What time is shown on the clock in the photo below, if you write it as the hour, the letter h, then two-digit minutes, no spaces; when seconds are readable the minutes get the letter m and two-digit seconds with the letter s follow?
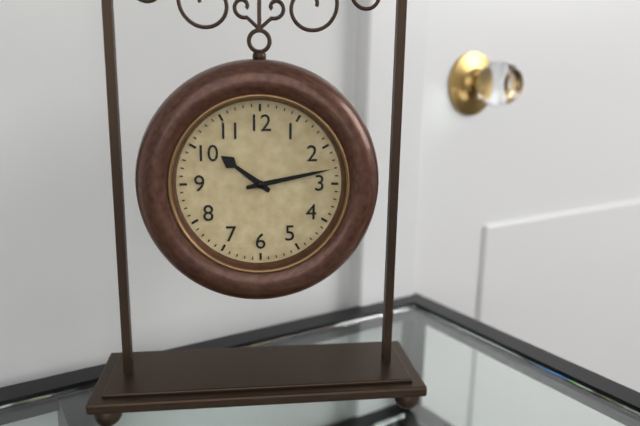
10h13
